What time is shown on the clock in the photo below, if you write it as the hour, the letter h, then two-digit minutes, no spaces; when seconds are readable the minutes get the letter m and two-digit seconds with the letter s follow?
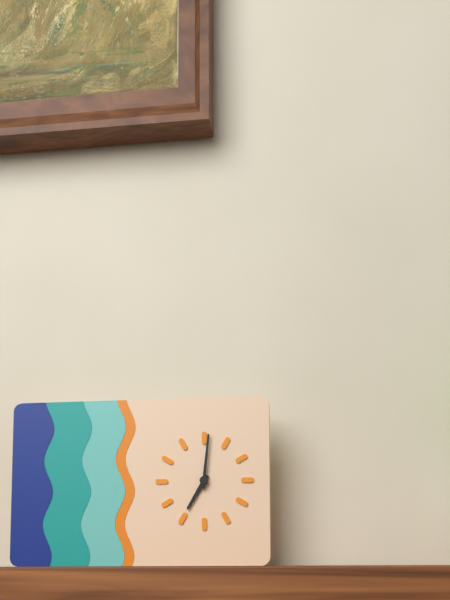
7h01
